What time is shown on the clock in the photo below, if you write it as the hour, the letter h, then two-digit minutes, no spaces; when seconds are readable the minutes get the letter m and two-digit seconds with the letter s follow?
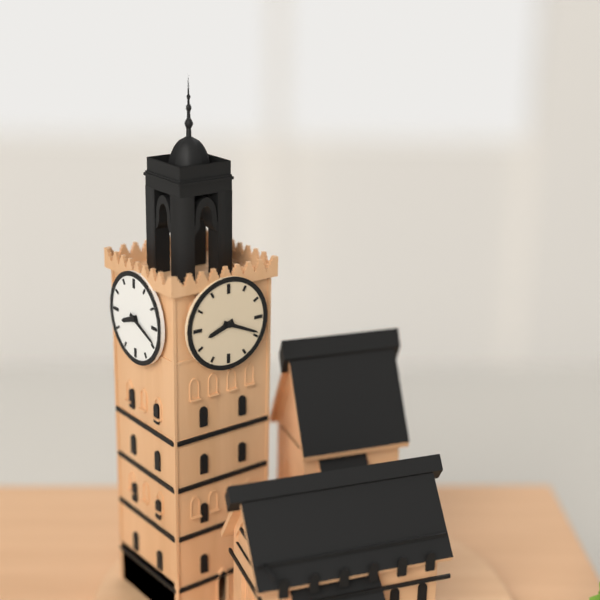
8h19
